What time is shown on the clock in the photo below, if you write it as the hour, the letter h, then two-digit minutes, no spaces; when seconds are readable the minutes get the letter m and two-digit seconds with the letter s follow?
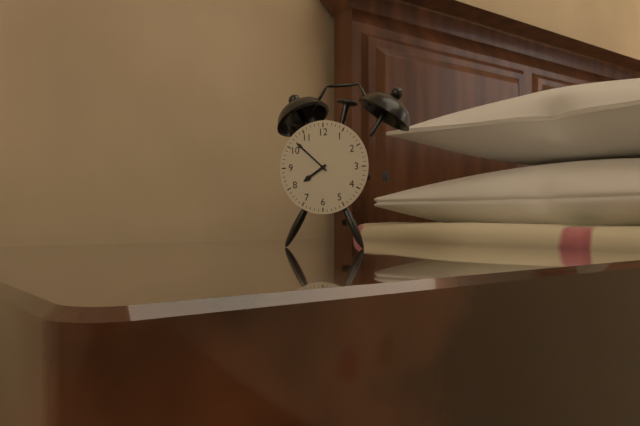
7h52
